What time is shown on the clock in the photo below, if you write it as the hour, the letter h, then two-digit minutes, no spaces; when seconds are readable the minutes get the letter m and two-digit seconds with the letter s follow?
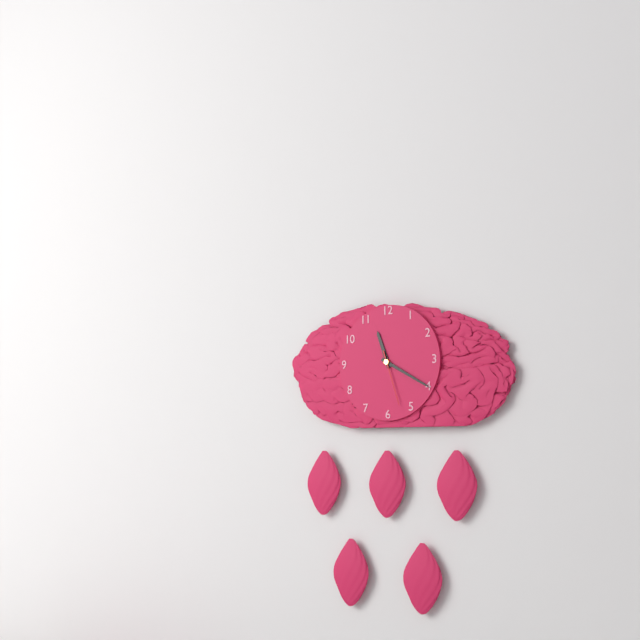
11h20m27s
